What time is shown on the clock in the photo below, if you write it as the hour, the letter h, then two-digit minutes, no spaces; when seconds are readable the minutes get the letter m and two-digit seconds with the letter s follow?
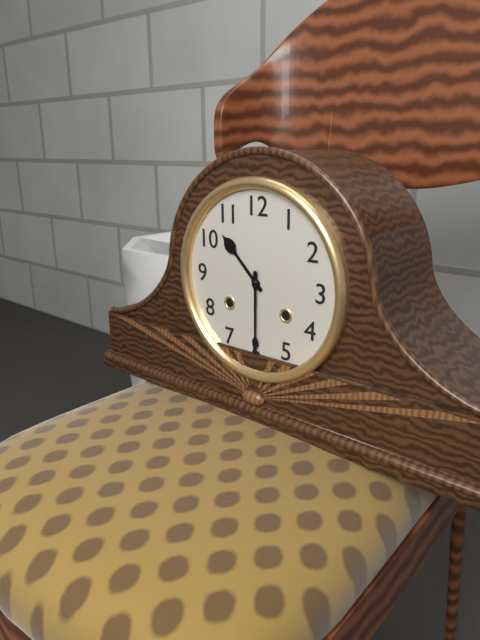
10h30
